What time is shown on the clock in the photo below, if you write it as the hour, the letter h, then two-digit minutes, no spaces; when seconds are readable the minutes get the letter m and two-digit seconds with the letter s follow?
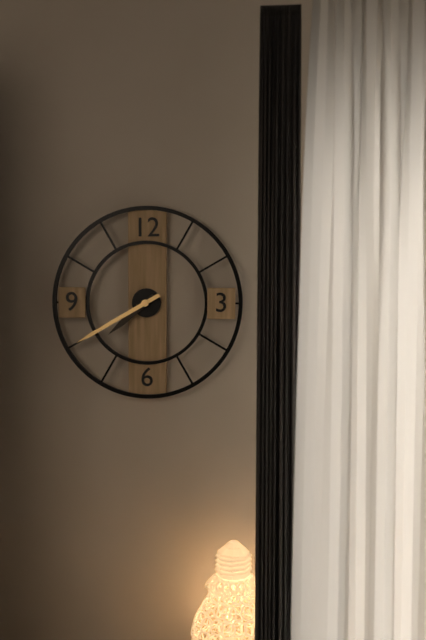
7h40
